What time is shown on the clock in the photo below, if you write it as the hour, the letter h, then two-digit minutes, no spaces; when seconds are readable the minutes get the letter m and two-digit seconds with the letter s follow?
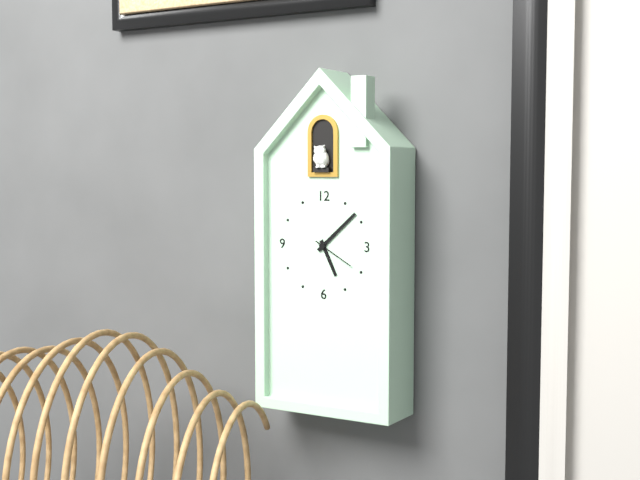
5h08
